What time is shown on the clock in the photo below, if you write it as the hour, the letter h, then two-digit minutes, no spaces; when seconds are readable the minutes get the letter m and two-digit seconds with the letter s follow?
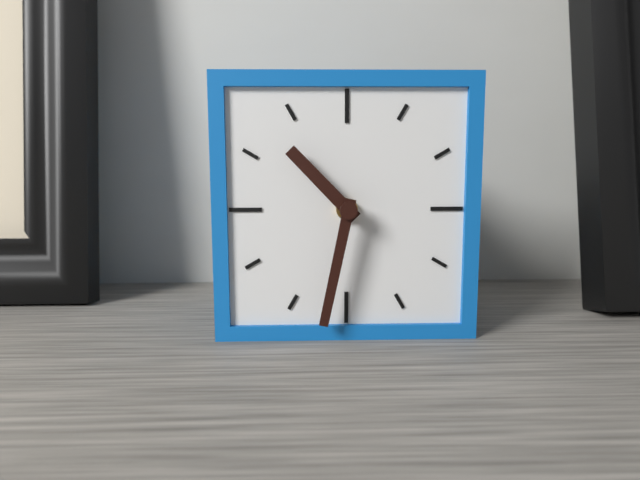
10h32
